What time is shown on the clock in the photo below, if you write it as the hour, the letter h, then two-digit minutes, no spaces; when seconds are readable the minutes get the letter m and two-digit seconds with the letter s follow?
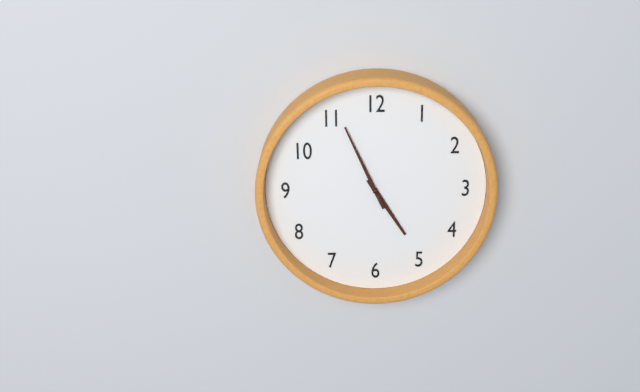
4h56
